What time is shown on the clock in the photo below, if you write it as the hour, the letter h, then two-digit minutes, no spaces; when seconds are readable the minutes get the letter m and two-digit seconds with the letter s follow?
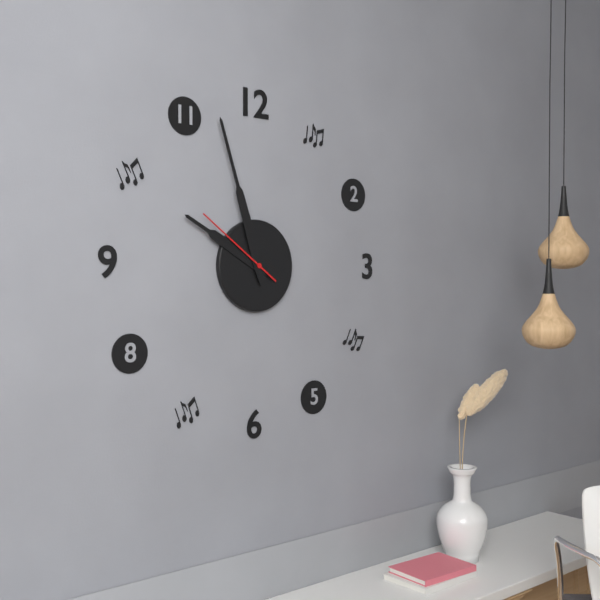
9h57m51s
